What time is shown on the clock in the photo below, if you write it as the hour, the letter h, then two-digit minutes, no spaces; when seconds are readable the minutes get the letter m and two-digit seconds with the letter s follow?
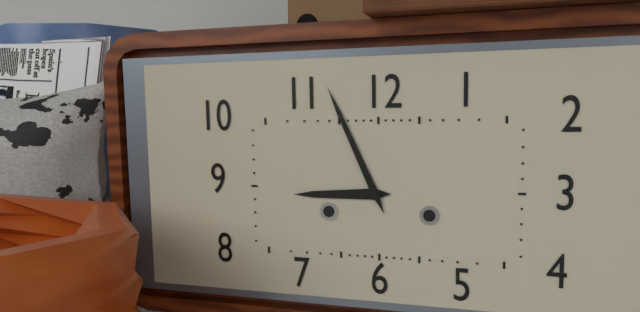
8h56
